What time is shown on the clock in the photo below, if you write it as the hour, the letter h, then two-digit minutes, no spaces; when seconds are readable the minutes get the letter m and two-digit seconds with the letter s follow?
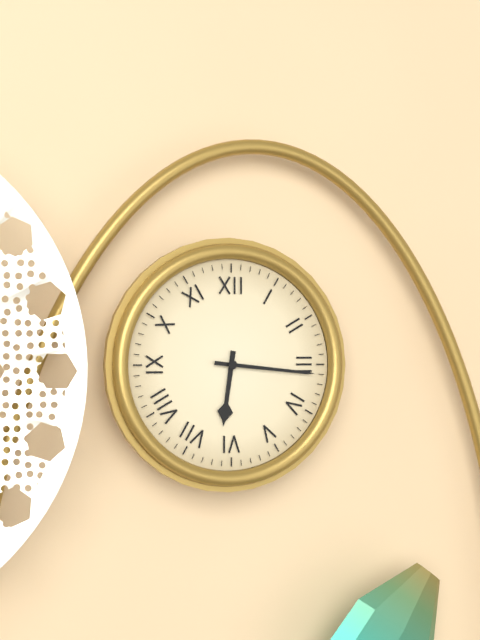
6h16
